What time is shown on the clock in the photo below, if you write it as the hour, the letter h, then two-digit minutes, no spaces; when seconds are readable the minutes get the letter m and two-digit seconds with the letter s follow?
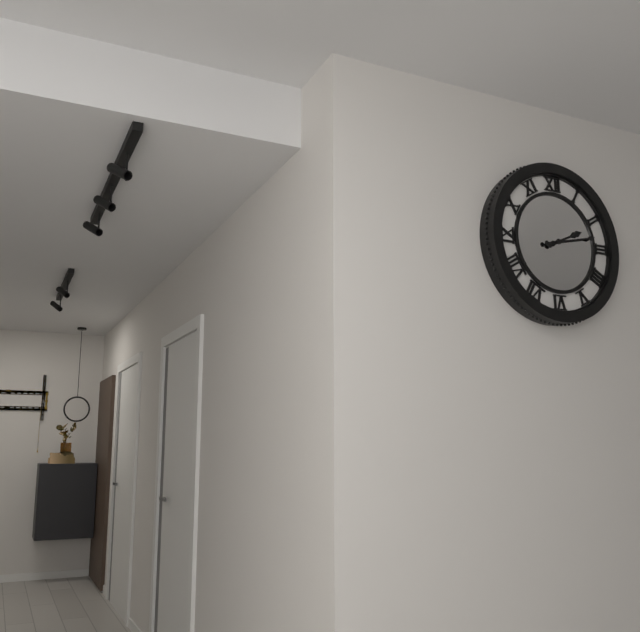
2h13
